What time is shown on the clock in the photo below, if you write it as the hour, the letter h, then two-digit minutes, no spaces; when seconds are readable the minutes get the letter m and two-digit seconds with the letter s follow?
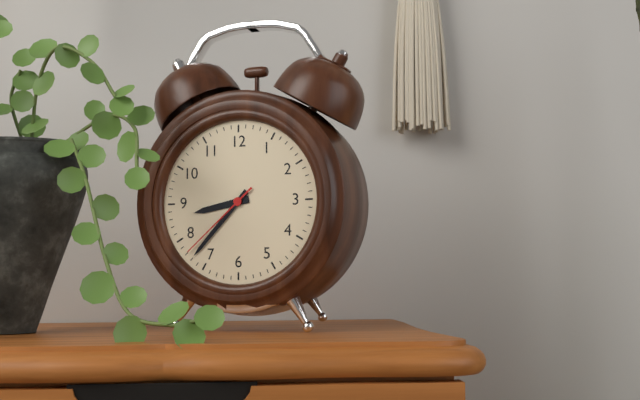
8h37m38s
